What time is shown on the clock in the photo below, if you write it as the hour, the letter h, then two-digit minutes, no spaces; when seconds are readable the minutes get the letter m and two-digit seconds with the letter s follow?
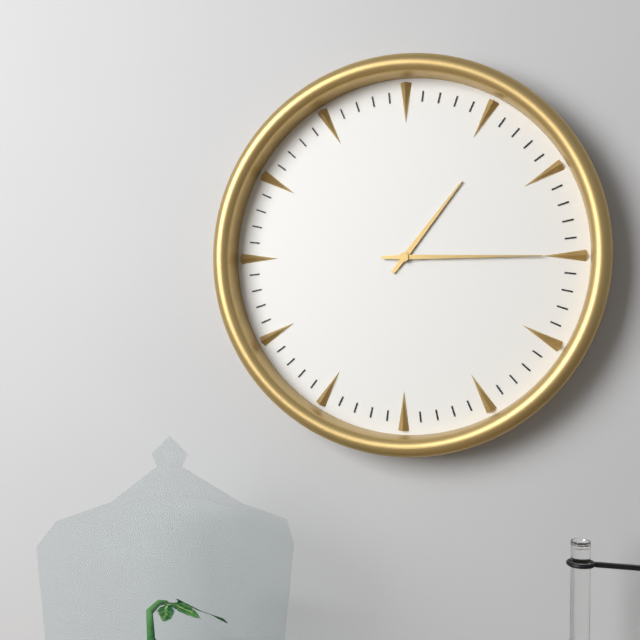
1h15
